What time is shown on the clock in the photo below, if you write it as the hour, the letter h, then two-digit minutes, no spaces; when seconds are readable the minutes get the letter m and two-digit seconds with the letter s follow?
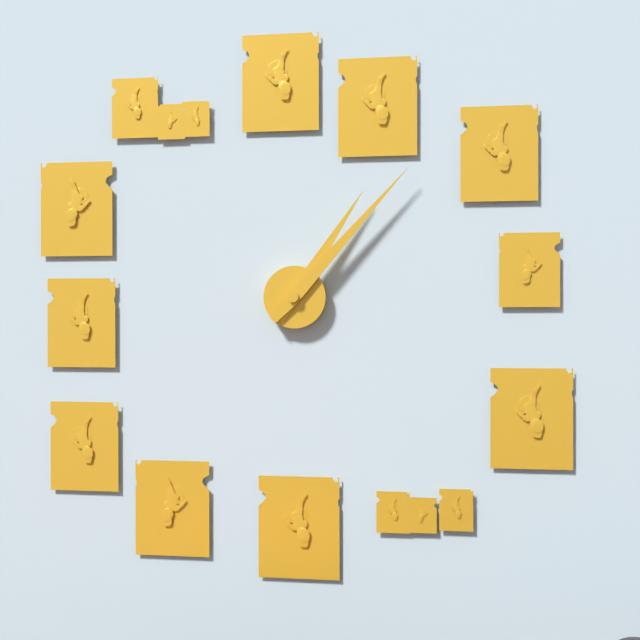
1h07
